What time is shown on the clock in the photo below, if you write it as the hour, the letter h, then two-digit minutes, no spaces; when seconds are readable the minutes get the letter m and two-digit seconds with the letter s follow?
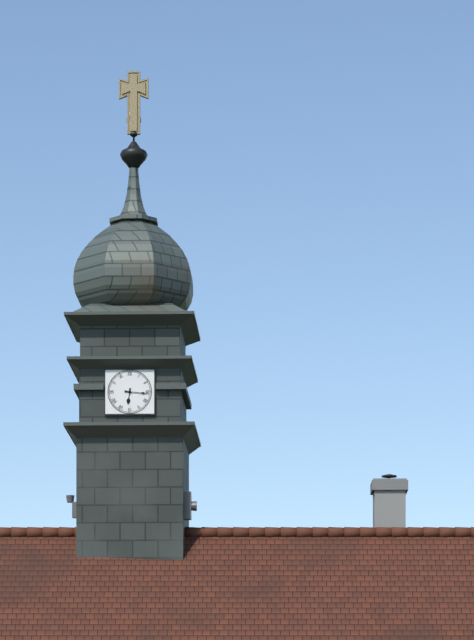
6h16
